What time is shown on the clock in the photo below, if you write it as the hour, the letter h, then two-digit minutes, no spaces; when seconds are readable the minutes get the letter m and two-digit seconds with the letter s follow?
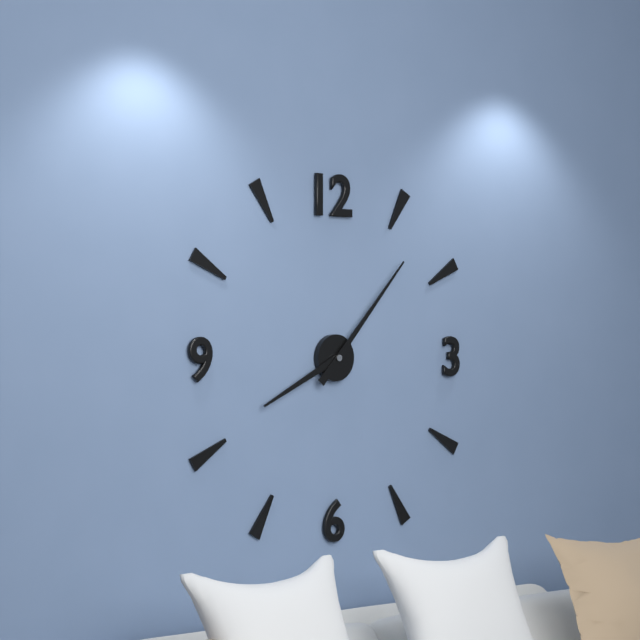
8h07
